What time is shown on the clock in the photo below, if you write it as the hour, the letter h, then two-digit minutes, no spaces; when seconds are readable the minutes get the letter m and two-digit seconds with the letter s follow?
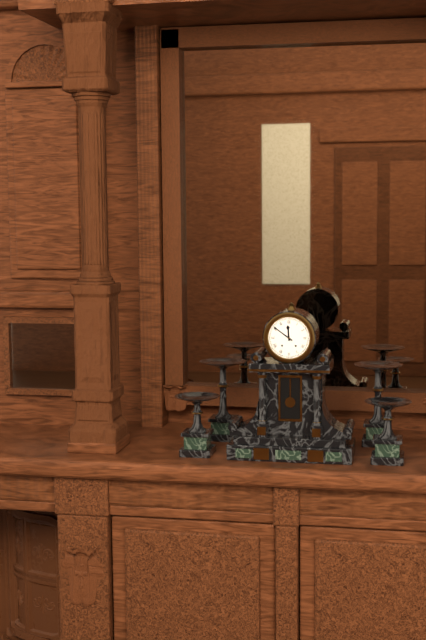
11h51
